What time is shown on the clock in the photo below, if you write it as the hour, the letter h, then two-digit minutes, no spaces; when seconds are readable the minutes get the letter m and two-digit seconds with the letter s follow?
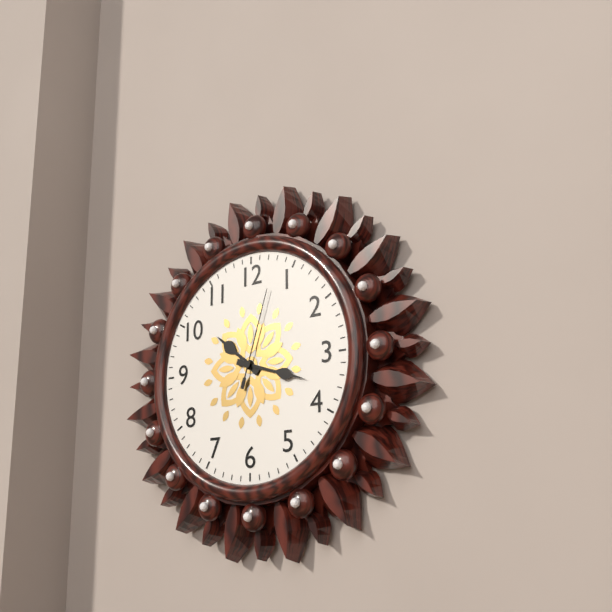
10h18m03s
